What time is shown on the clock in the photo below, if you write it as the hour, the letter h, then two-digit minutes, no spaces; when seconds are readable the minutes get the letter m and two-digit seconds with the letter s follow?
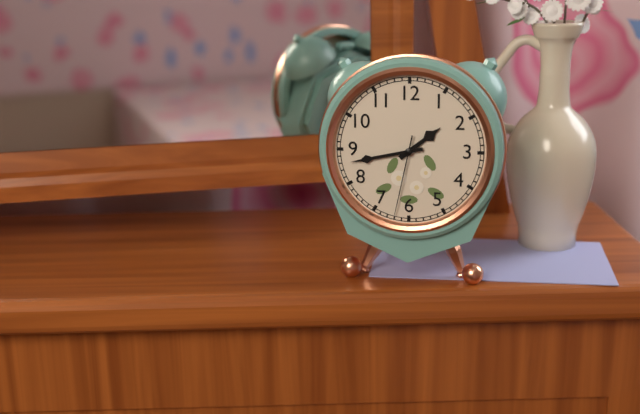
1h43m32s
